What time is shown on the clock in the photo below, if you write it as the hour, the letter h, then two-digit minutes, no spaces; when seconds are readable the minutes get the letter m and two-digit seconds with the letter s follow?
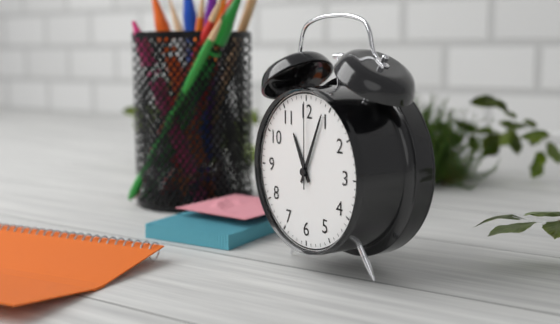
11h04m00s
